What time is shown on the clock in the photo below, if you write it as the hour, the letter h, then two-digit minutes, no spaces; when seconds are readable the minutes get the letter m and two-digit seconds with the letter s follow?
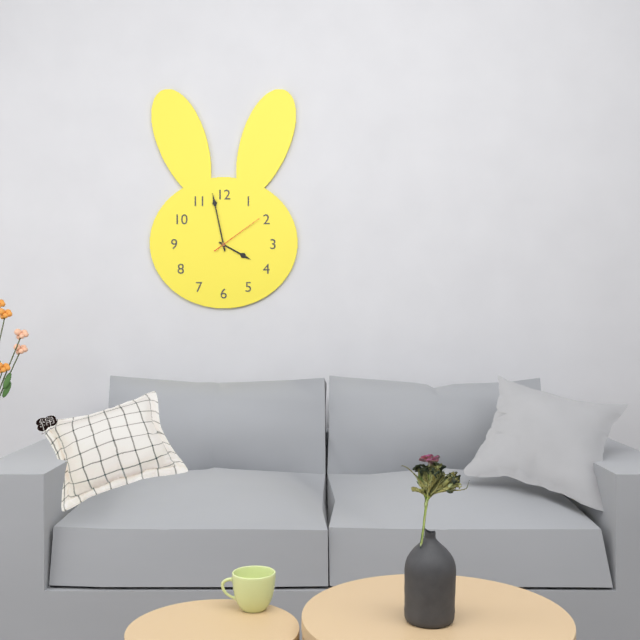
3h58m09s
